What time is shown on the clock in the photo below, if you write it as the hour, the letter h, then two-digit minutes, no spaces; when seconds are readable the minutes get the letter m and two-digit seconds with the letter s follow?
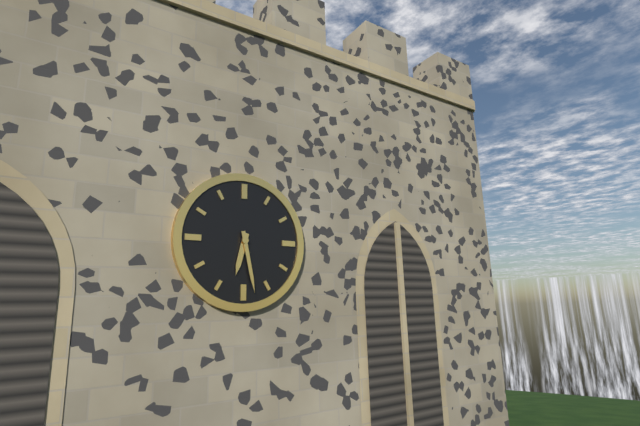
6h28
